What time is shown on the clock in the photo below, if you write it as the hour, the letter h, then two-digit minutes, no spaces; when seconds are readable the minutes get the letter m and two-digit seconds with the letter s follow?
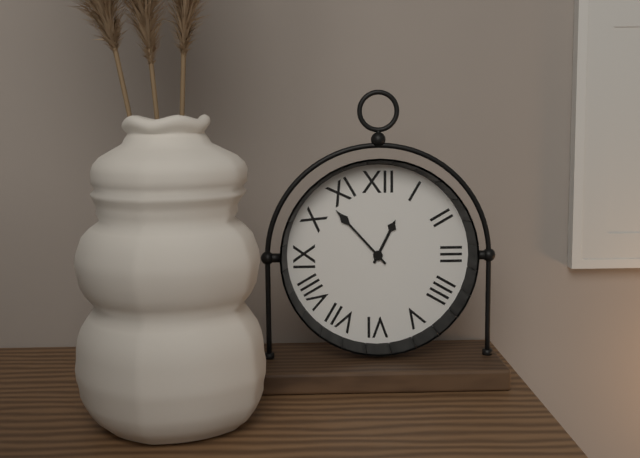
12h53
